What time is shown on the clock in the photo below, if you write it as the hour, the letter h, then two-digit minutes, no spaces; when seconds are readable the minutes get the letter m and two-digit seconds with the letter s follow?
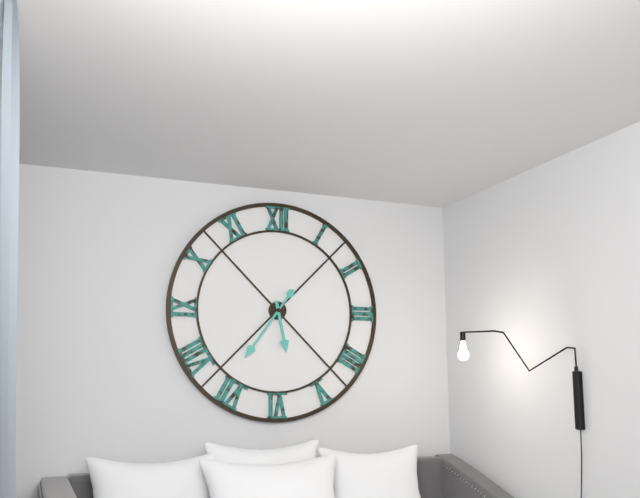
5h36
